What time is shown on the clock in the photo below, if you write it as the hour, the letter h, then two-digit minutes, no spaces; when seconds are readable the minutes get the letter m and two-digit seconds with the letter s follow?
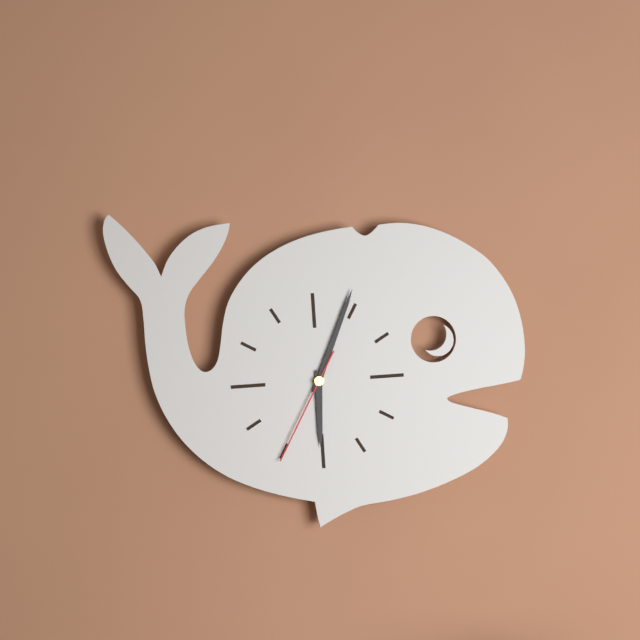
6h04m35s
